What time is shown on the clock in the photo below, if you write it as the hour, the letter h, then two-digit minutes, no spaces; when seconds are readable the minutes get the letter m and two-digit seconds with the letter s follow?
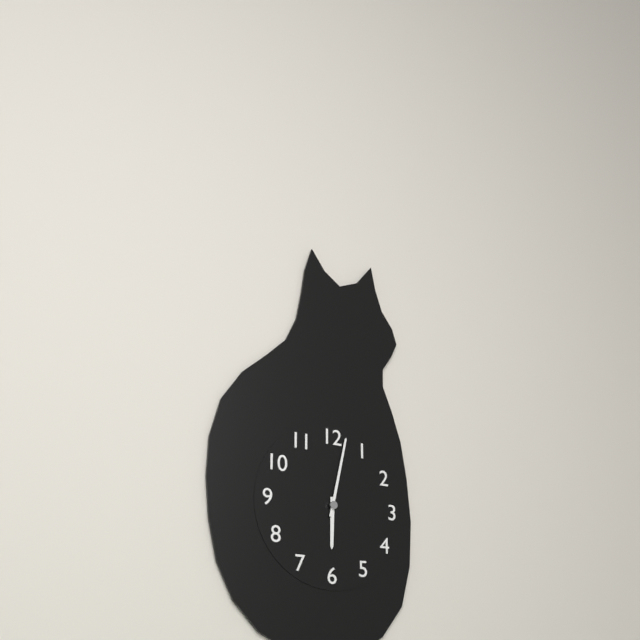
6h02
